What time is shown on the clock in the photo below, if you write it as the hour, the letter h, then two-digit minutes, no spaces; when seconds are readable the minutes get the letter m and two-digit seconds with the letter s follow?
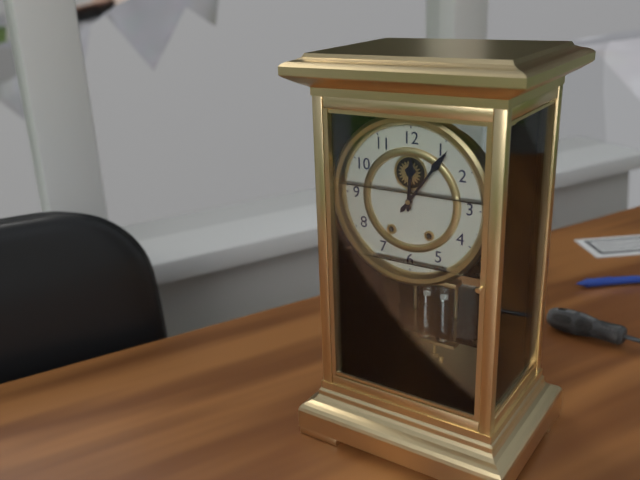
12h06
